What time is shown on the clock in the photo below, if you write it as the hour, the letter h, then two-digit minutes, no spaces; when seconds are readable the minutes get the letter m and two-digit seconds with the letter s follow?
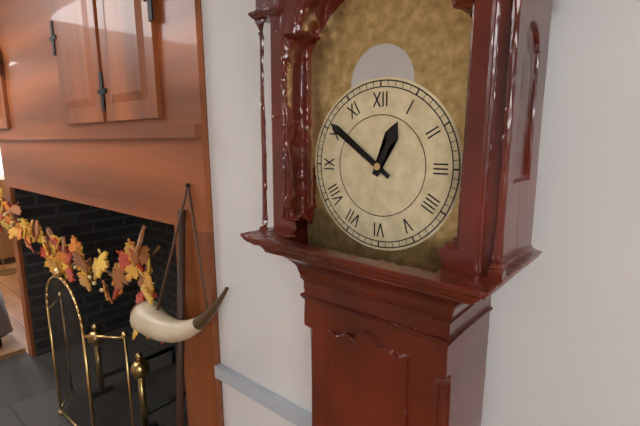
12h51
